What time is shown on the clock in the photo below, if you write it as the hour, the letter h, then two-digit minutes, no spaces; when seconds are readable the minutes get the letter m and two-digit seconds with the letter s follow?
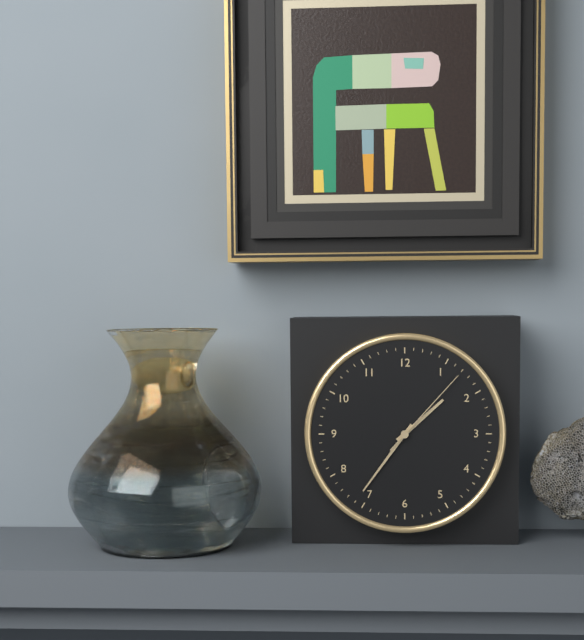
1h36m07s
